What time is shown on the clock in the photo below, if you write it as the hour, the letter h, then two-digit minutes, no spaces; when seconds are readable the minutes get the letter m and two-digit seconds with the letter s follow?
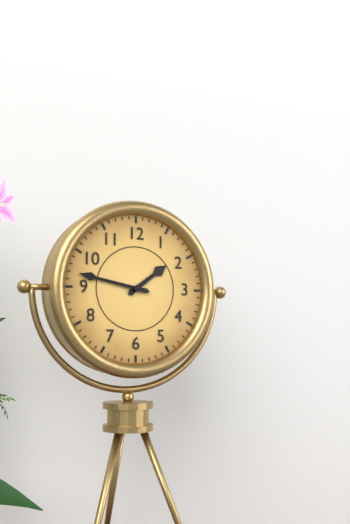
1h47
